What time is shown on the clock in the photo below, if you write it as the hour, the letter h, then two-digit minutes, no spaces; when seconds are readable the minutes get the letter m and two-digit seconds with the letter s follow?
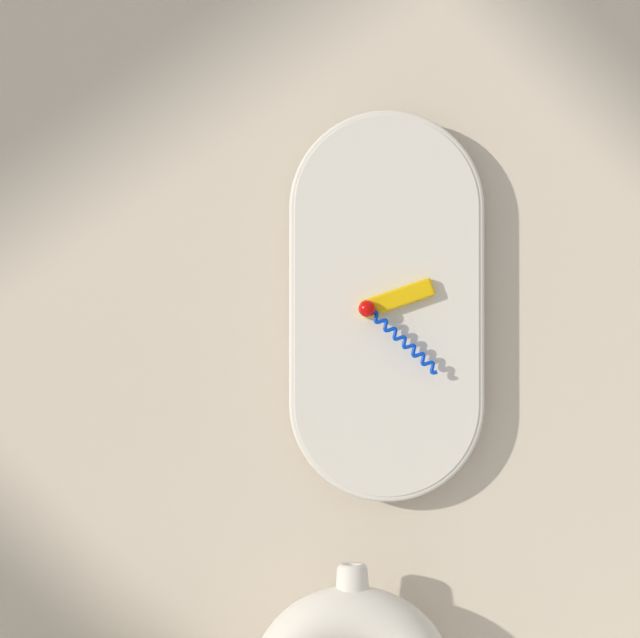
2h22
